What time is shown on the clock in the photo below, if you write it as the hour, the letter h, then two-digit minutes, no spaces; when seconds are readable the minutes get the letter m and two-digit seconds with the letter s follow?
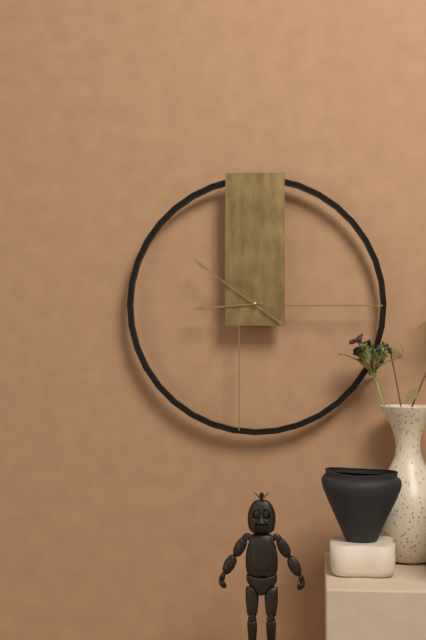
8h51
